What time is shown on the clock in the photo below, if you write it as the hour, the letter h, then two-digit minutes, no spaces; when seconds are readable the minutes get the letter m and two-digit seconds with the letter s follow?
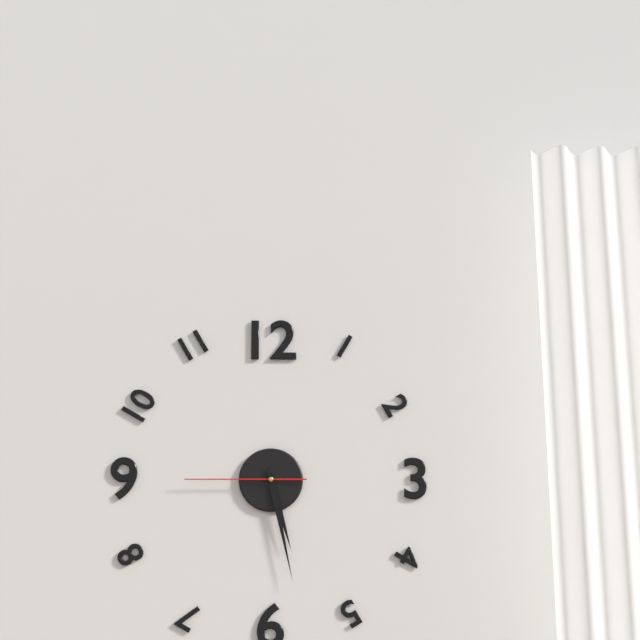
5h28m45s
